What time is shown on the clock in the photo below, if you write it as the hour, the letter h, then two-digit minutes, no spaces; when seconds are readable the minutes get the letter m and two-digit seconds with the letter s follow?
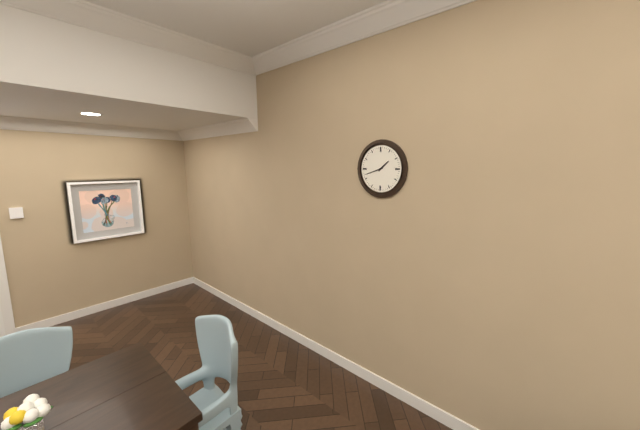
1h42
